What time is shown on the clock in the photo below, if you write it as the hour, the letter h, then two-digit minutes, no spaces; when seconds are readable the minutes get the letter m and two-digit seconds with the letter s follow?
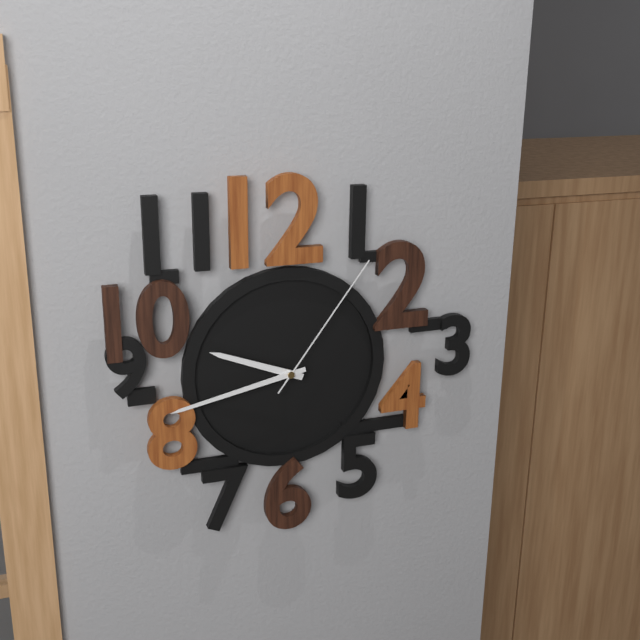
9h43m06s
